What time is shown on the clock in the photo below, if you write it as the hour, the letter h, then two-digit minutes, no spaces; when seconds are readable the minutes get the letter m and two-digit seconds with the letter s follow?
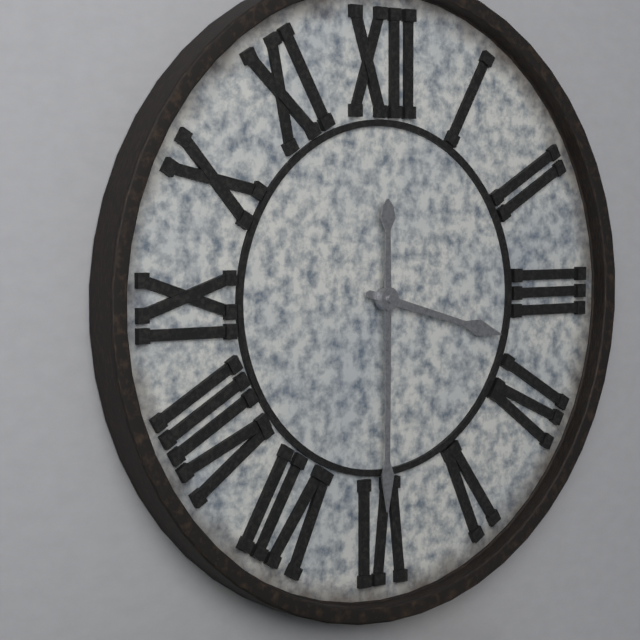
3h30
